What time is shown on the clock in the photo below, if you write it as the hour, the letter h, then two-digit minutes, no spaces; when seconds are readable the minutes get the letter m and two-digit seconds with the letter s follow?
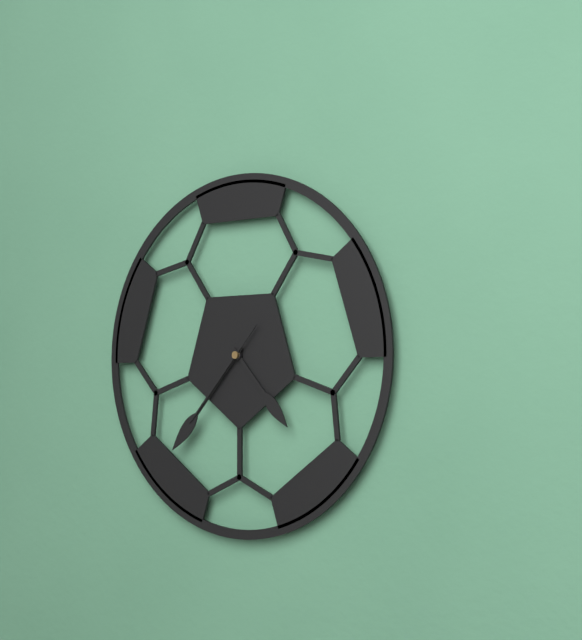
4h37m37s
